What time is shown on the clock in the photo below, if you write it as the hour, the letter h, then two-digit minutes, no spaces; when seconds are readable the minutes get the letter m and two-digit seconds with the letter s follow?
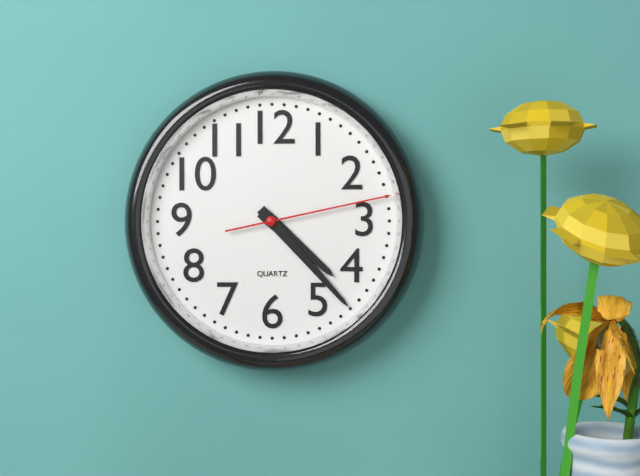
4h23m13s
